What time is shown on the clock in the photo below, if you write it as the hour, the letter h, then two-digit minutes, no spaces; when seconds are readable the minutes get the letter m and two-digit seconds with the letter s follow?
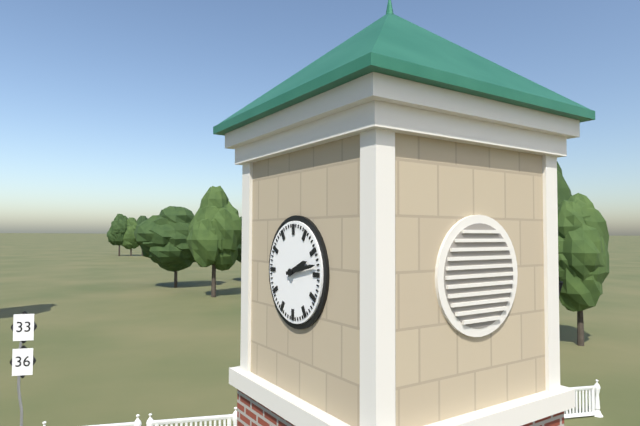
2h13
